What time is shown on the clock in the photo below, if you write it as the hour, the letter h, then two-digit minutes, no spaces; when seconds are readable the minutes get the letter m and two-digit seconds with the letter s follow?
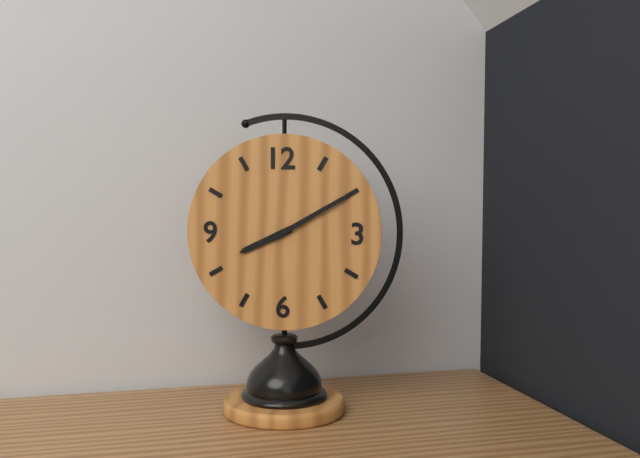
8h10
